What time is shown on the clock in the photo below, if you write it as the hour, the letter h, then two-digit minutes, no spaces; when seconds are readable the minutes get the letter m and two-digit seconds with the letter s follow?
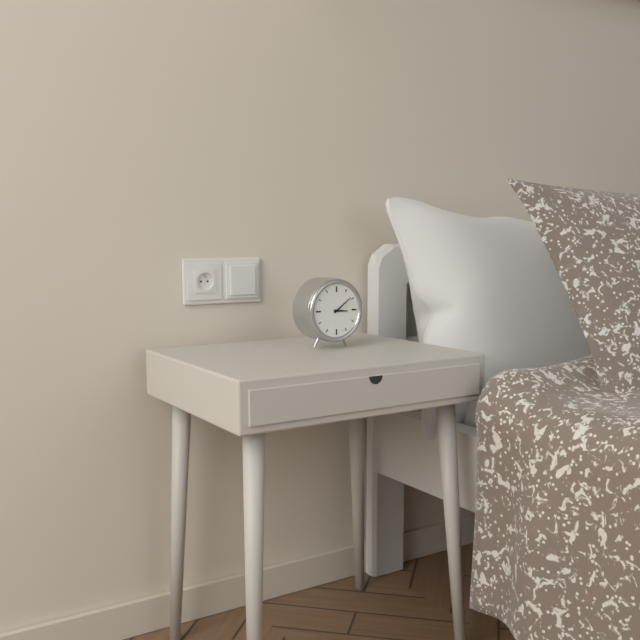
3h09
